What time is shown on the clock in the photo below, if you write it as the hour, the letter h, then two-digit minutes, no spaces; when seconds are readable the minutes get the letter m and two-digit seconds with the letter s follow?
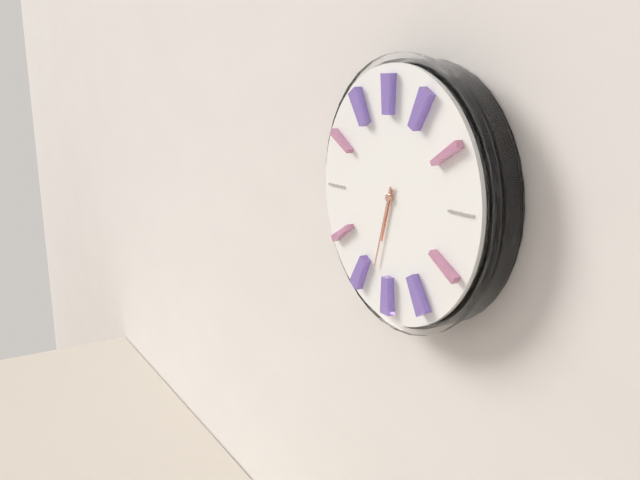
6h33
